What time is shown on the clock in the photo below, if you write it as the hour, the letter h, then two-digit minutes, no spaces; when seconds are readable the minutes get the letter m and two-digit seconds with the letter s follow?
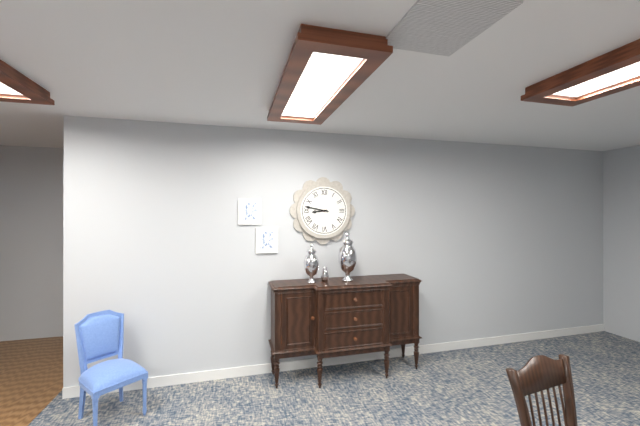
8h47
